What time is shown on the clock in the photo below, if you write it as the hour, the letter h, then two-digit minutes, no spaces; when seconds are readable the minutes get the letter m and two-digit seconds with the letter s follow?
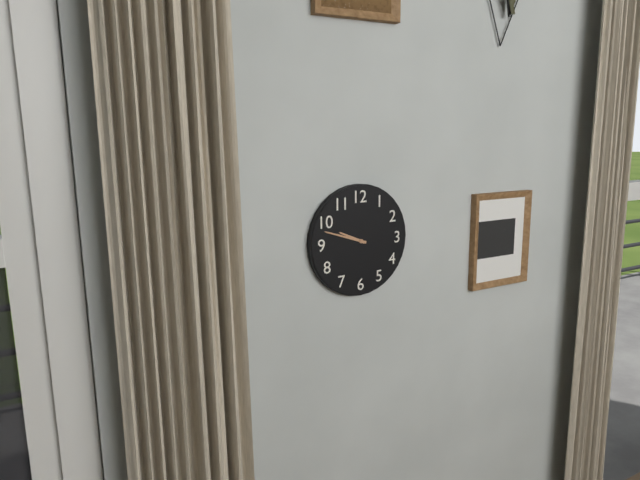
9h48
